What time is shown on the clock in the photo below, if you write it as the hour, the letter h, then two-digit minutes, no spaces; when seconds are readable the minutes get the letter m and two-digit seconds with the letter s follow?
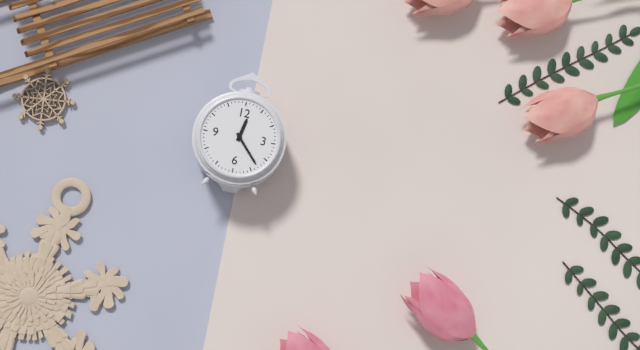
12h23
